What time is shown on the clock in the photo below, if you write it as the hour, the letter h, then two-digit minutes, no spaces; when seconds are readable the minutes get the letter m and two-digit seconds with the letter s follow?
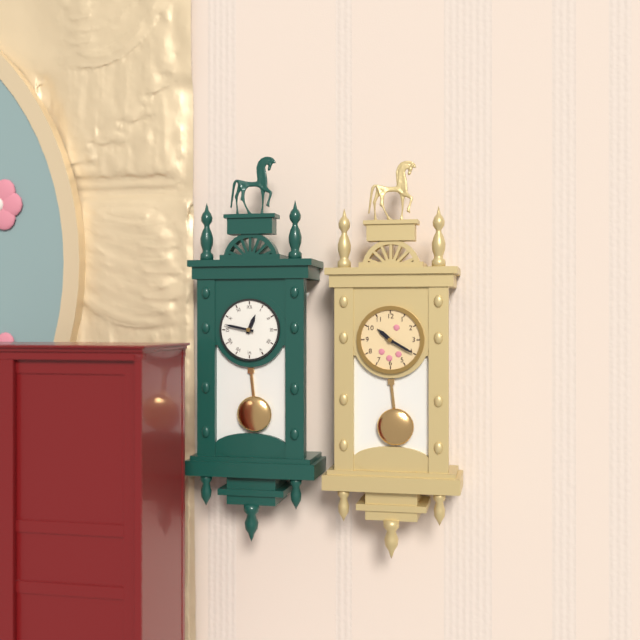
12h47
